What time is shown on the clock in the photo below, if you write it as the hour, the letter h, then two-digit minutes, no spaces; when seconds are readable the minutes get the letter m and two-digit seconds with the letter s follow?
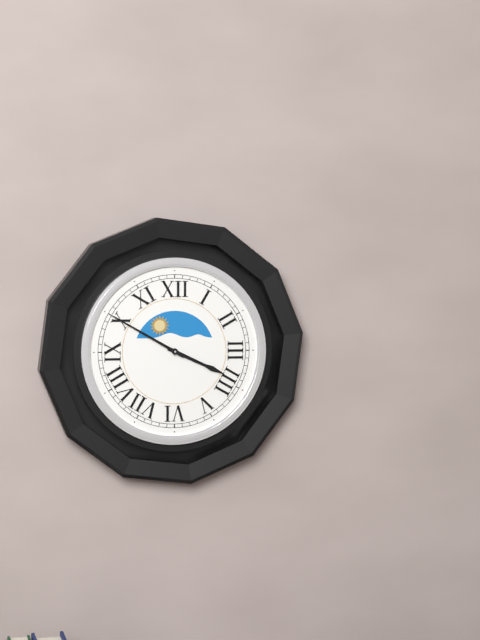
3h50
